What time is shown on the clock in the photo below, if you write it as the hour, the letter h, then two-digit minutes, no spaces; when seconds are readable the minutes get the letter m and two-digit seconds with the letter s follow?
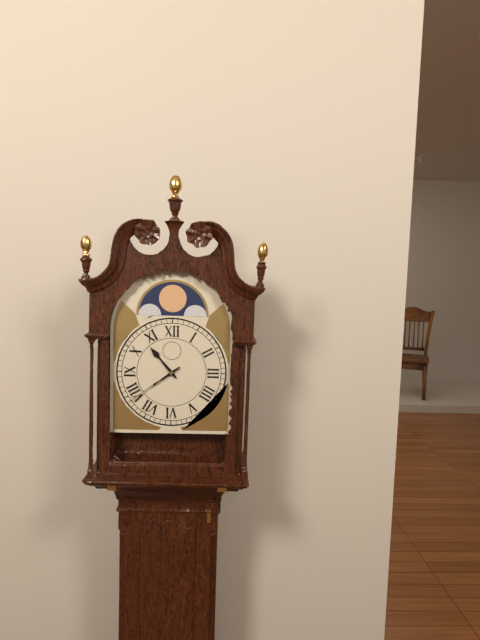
10h39
